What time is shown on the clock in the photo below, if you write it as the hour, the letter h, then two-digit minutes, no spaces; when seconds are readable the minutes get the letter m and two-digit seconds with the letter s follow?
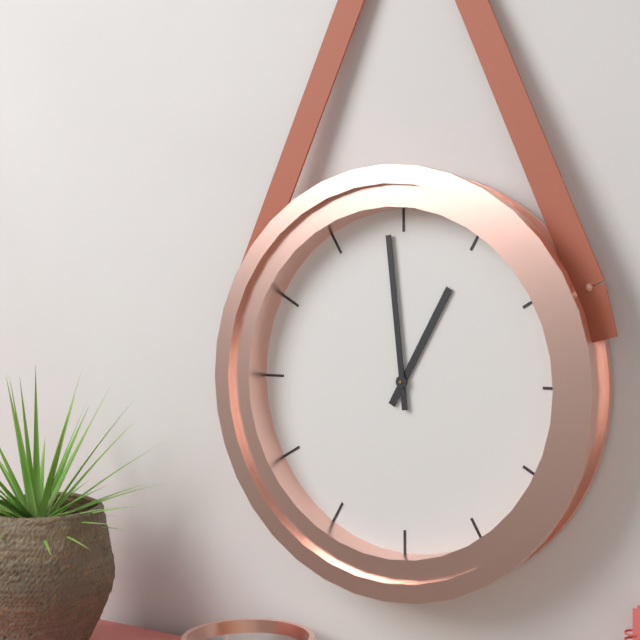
12h59
